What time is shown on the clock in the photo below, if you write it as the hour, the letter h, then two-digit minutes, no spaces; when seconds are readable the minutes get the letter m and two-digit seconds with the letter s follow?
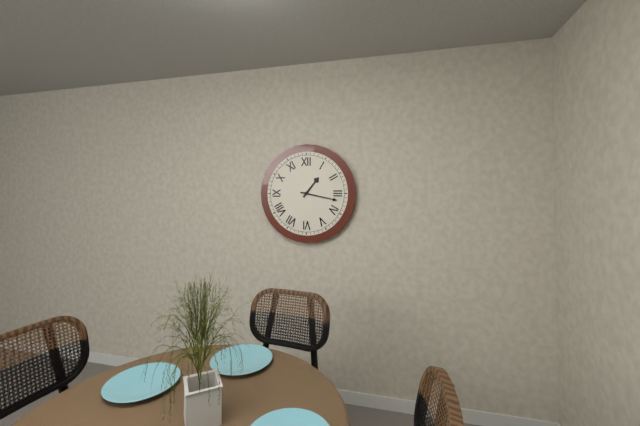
1h17
